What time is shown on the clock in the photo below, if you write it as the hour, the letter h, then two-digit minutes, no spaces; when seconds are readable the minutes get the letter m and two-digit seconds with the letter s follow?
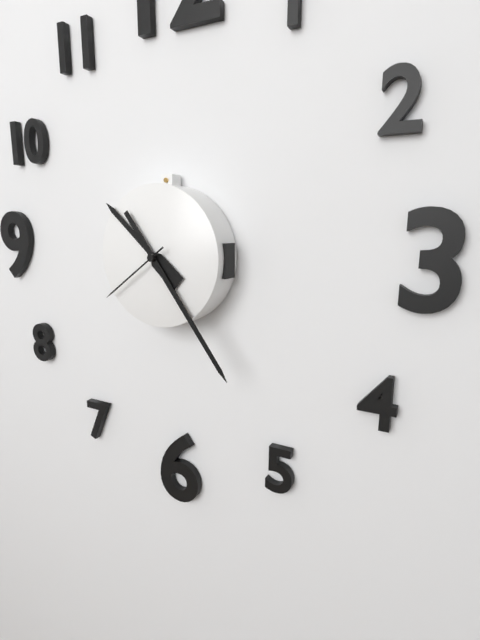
10h24m39s
